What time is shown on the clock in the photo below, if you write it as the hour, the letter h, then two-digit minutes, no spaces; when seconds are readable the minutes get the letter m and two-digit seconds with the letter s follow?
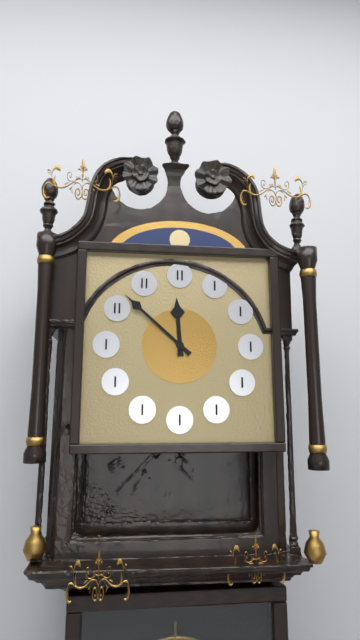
11h52
